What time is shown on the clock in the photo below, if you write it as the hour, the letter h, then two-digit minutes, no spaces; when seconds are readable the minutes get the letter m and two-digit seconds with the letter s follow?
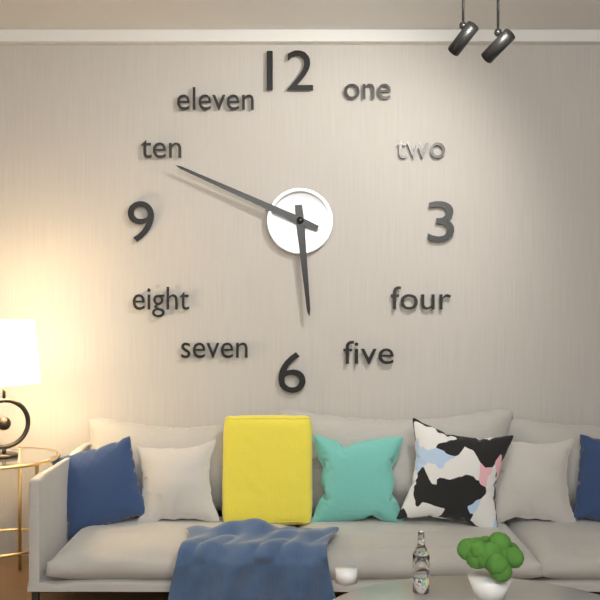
5h49
